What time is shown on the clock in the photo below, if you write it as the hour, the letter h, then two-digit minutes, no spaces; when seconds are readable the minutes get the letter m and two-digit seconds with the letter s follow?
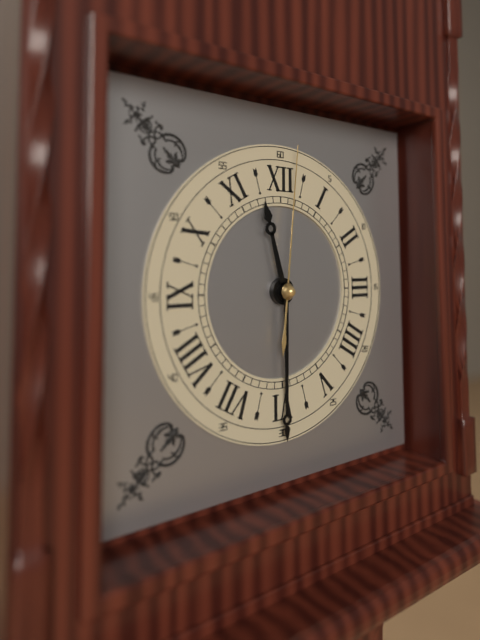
11h30m01s
